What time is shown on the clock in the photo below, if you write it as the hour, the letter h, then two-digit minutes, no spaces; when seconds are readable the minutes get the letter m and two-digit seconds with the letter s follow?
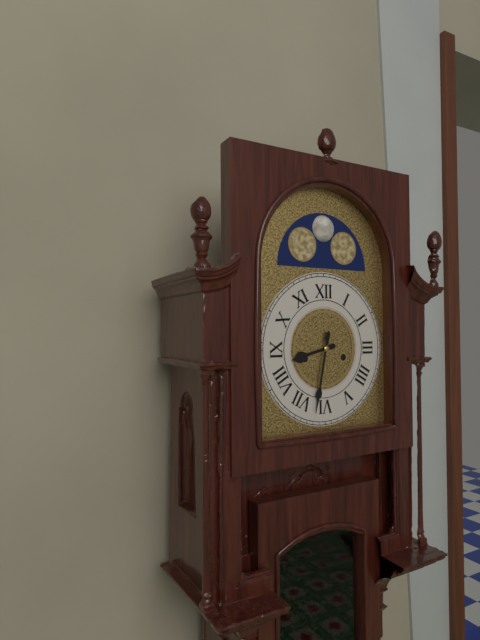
8h32
